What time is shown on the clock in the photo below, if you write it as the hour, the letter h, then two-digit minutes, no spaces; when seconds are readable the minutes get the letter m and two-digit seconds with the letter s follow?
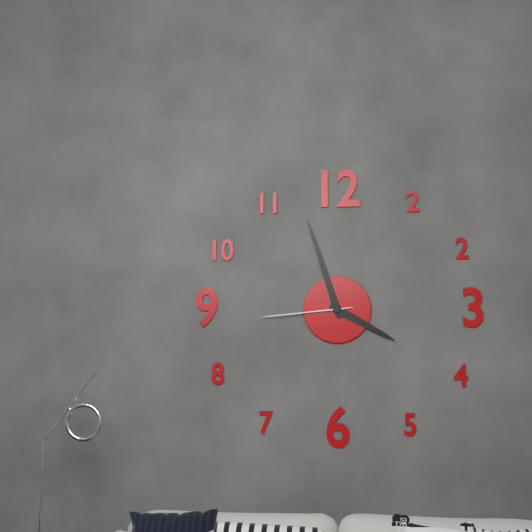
3h57m44s
